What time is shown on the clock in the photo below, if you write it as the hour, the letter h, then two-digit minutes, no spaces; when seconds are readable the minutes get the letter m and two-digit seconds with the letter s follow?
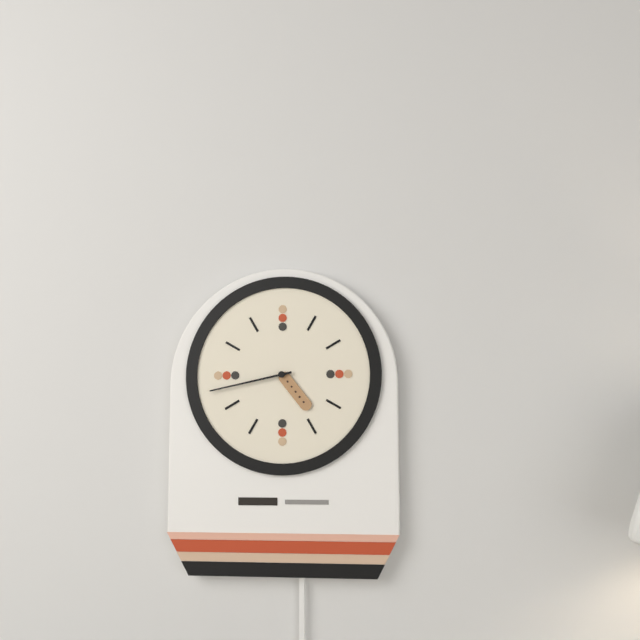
4h43
